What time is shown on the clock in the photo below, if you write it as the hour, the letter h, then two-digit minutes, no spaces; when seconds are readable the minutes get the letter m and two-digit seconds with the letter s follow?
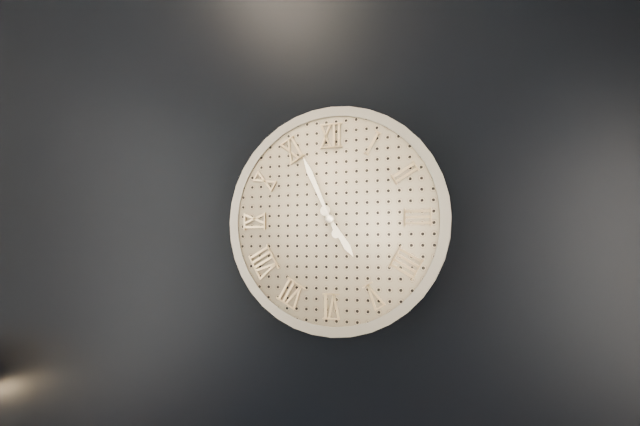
4h56
